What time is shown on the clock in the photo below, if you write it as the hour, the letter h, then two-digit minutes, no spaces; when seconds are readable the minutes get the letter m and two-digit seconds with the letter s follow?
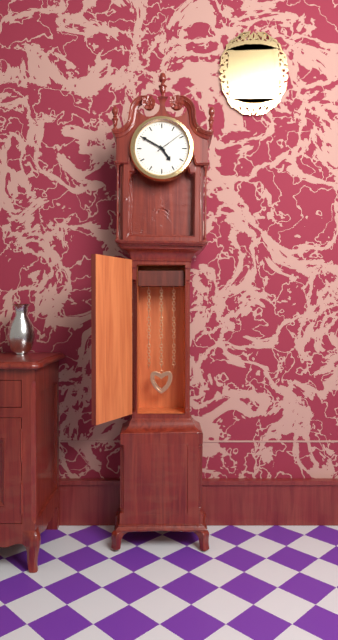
4h50
